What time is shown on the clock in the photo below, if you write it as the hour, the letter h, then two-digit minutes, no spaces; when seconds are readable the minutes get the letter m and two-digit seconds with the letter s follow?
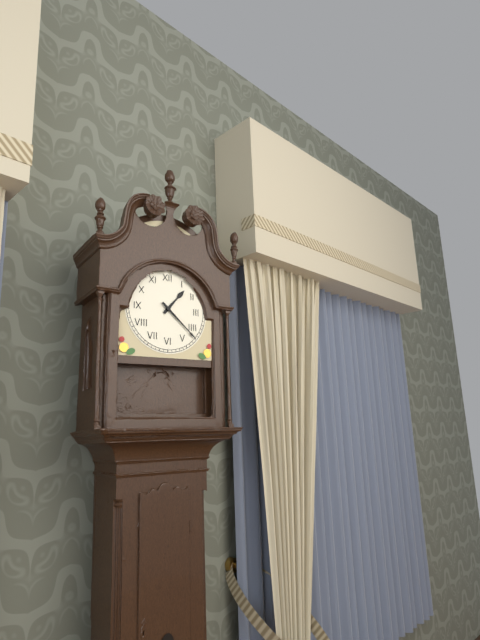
1h22
